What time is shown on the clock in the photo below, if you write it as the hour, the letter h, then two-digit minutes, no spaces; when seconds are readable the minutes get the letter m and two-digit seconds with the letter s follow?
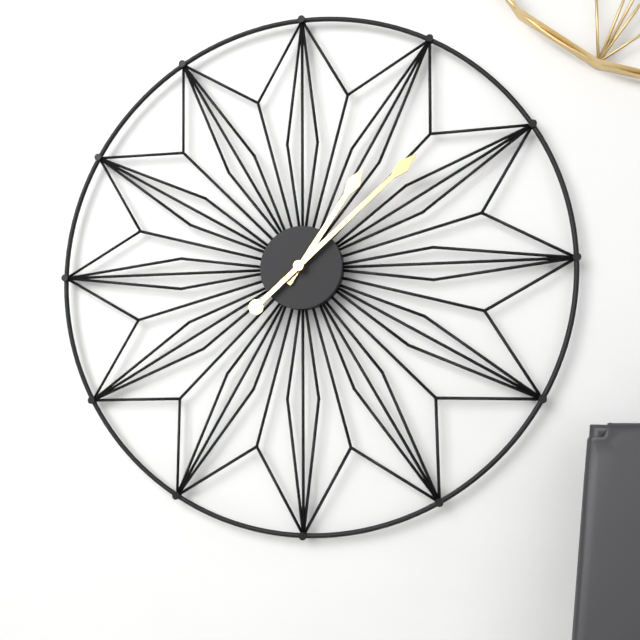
1h08
